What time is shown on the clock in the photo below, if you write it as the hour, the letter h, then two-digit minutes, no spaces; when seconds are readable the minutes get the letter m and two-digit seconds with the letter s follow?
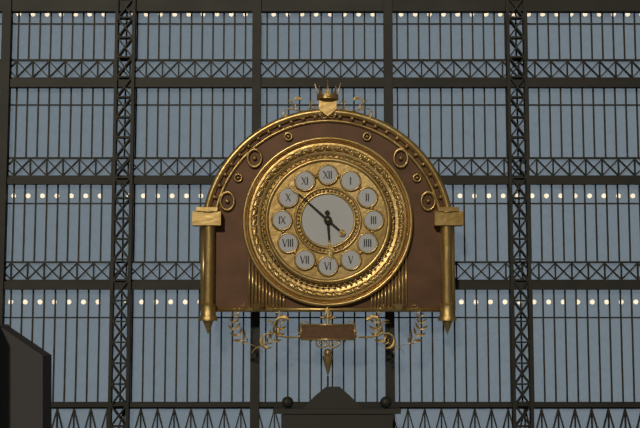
5h52
